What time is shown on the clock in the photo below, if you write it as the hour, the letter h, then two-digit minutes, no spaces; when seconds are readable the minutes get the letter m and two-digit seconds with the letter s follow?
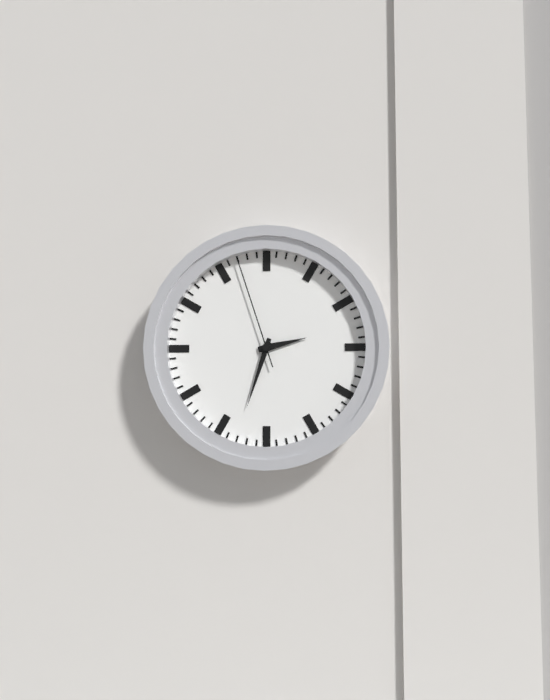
2h33m57s
